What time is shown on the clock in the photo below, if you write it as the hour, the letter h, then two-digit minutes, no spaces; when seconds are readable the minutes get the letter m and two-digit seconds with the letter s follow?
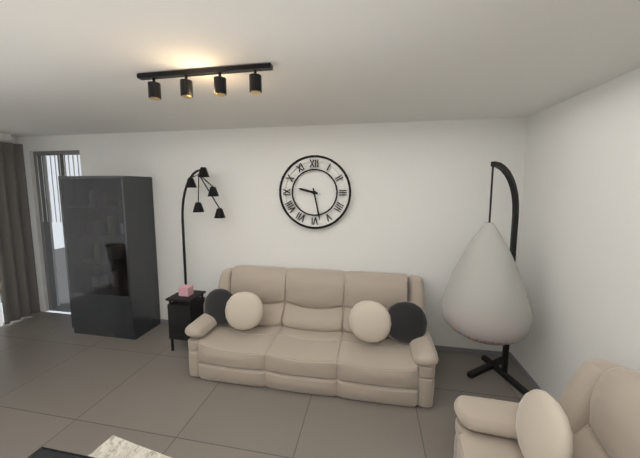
9h28
